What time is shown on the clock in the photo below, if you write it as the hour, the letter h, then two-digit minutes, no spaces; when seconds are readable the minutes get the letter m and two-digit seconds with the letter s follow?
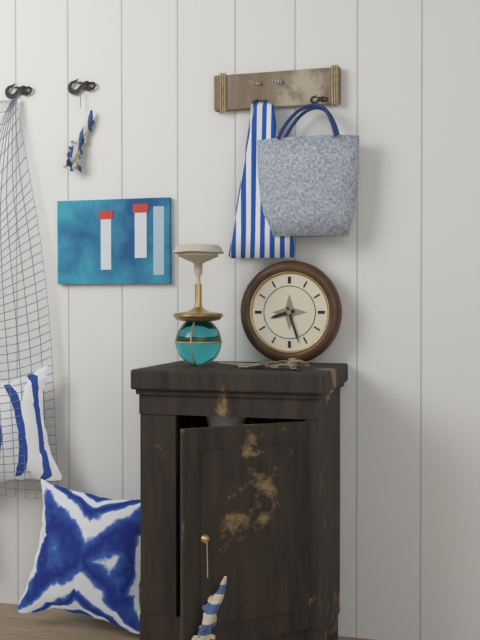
8h27
